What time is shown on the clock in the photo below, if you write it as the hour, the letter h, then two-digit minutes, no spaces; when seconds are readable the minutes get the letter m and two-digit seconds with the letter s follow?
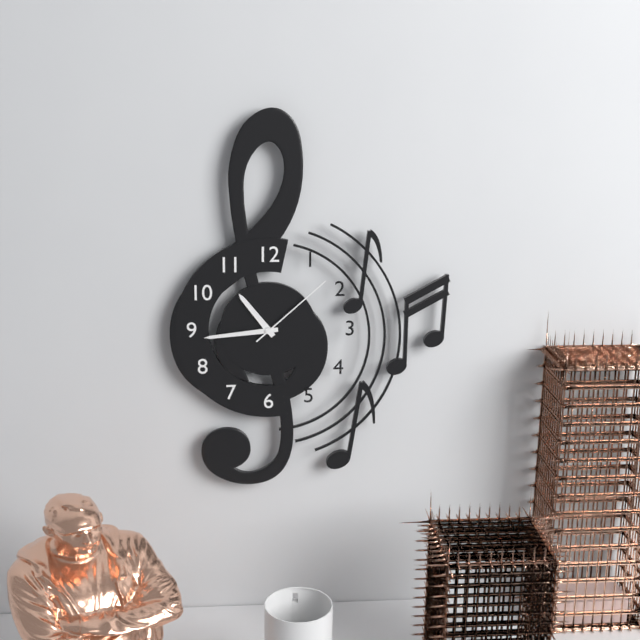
10h44m08s
